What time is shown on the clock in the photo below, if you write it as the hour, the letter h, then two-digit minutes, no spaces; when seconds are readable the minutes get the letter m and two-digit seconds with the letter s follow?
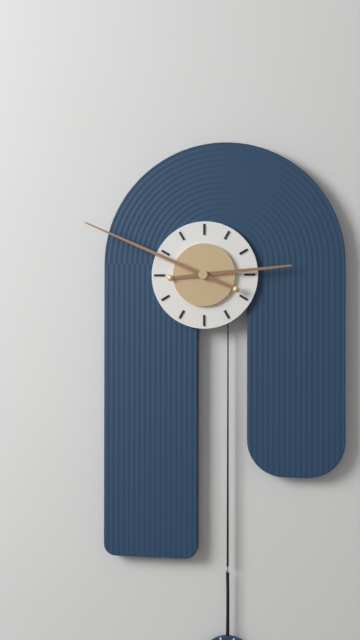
2h49
